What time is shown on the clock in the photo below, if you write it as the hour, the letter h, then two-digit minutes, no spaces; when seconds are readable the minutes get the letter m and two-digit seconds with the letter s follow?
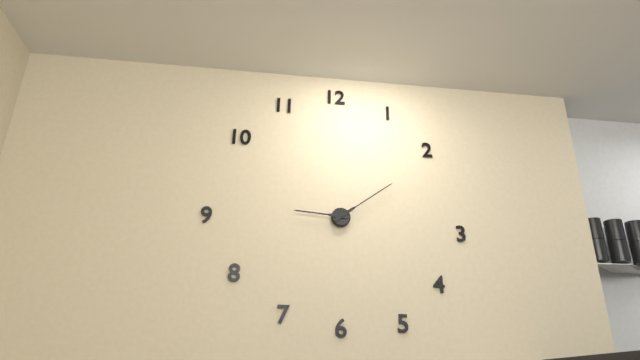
9h09
